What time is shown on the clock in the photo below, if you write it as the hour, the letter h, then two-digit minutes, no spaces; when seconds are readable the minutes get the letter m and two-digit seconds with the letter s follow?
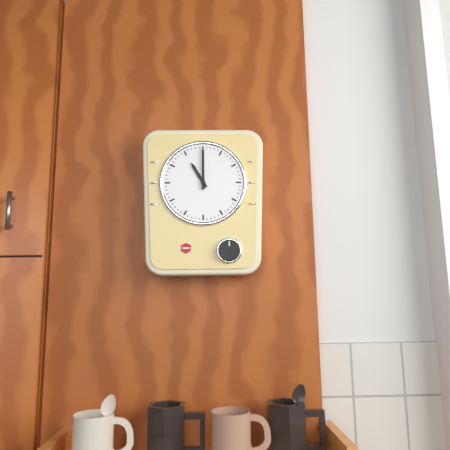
11h00
